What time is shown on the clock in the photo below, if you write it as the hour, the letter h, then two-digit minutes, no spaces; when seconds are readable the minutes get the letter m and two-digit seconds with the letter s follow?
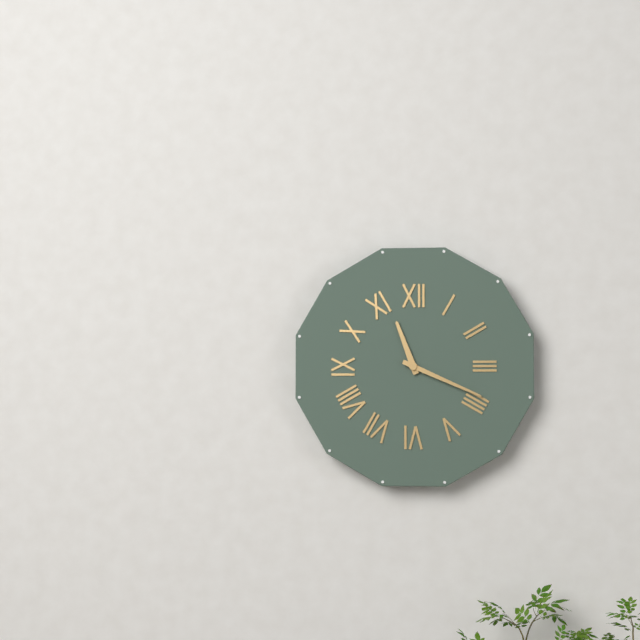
11h19
